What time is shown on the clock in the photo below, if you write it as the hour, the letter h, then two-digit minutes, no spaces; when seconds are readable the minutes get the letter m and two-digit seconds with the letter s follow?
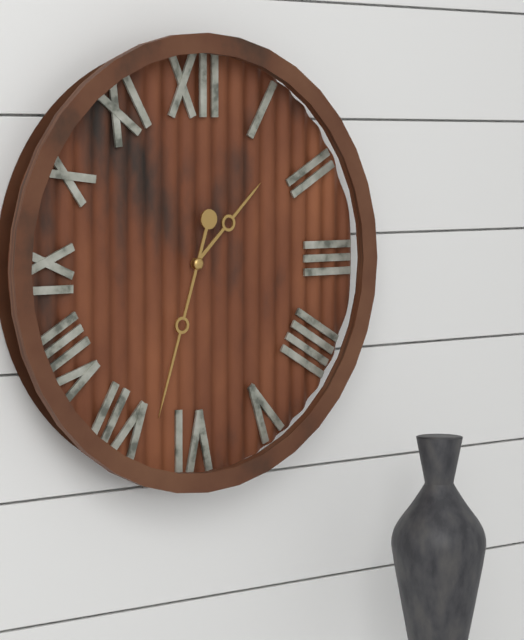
1h33
